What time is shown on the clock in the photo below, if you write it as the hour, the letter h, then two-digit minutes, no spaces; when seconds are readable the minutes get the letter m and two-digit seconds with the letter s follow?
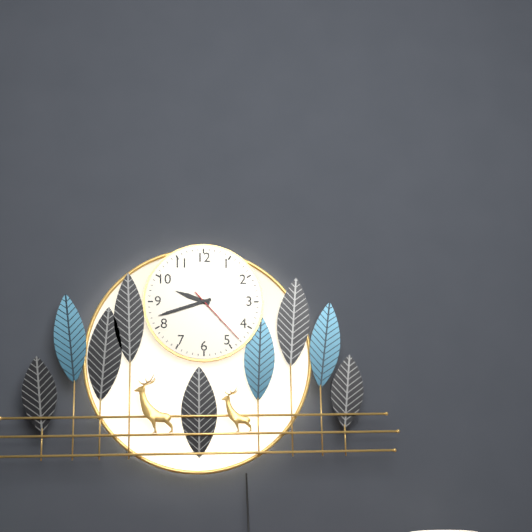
9h42m23s
